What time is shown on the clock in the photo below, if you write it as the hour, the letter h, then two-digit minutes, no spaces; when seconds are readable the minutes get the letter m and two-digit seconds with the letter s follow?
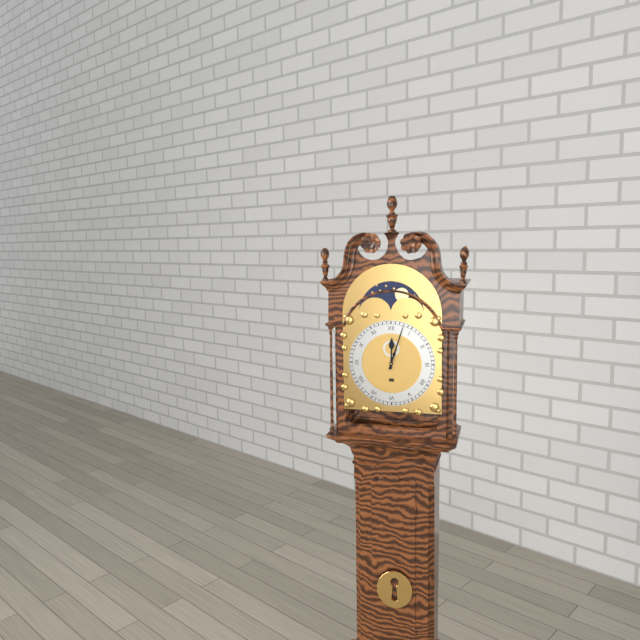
12h03
